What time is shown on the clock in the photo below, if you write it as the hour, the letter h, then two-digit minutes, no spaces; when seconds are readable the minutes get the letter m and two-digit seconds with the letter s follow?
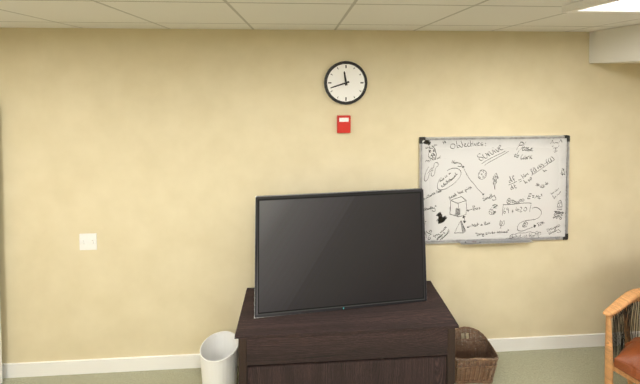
11h42
